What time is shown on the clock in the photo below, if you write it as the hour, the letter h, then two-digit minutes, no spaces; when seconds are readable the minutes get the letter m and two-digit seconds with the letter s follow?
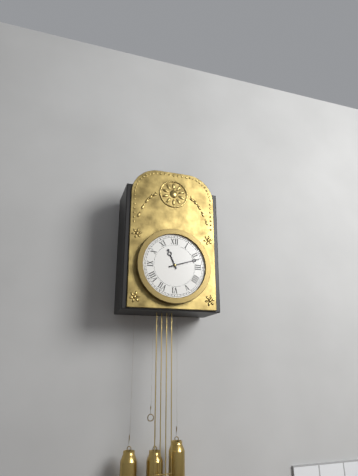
11h12
